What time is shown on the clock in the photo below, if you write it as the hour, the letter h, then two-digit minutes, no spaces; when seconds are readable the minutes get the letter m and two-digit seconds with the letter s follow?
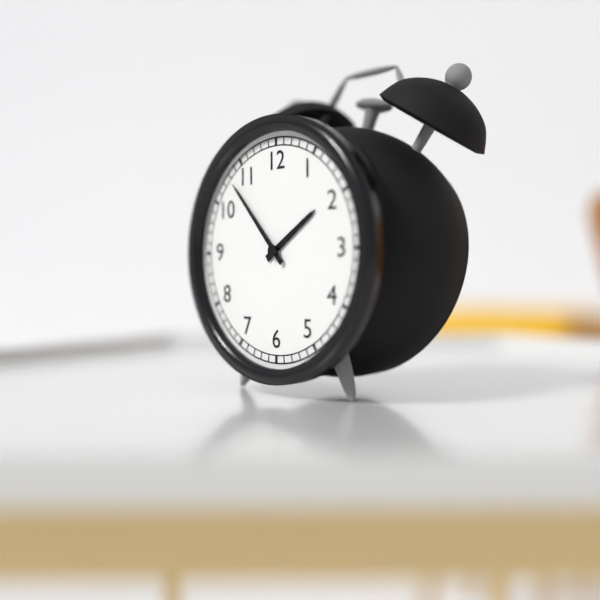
1h53
